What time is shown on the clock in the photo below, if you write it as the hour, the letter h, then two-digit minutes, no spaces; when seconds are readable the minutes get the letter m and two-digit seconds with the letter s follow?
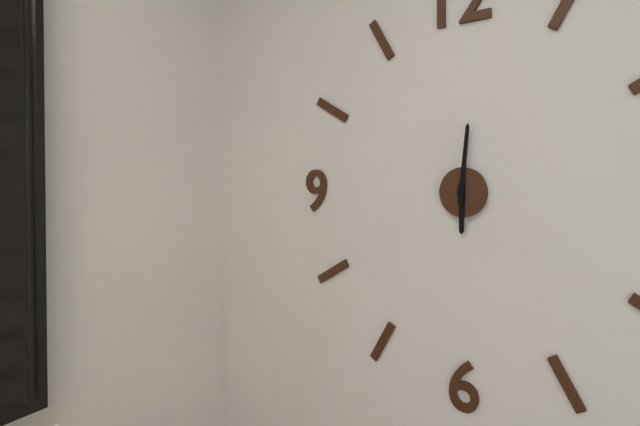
6h01
